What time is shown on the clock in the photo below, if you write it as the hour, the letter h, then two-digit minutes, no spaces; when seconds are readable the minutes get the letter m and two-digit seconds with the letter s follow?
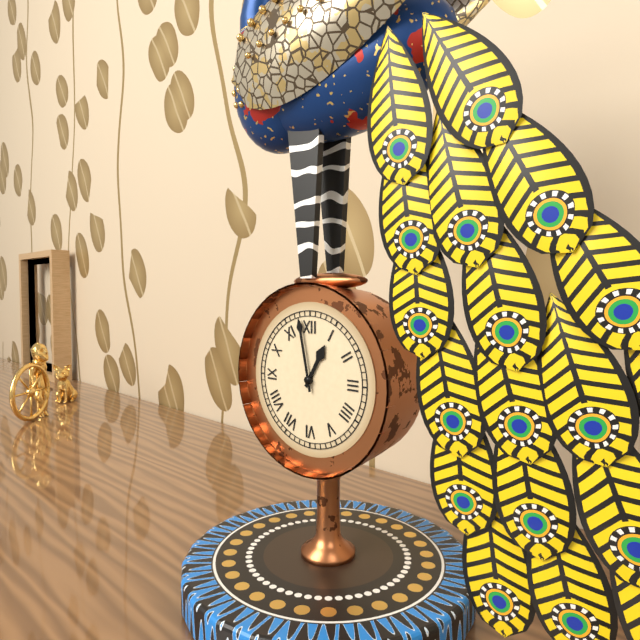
12h58
